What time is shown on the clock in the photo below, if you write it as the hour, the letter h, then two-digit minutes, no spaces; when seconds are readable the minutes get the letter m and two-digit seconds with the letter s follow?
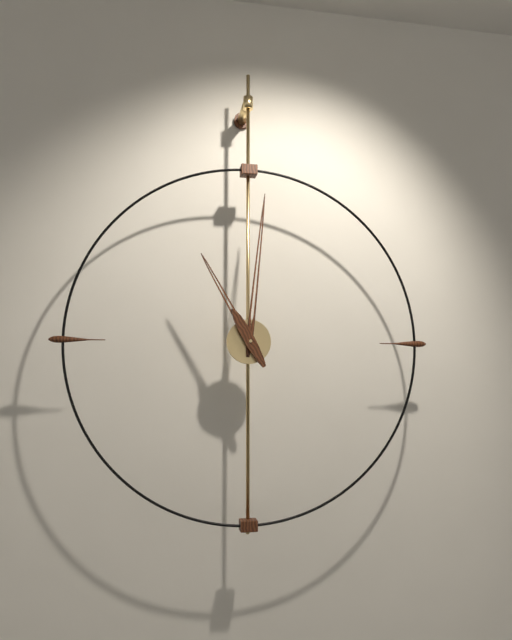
11h01
